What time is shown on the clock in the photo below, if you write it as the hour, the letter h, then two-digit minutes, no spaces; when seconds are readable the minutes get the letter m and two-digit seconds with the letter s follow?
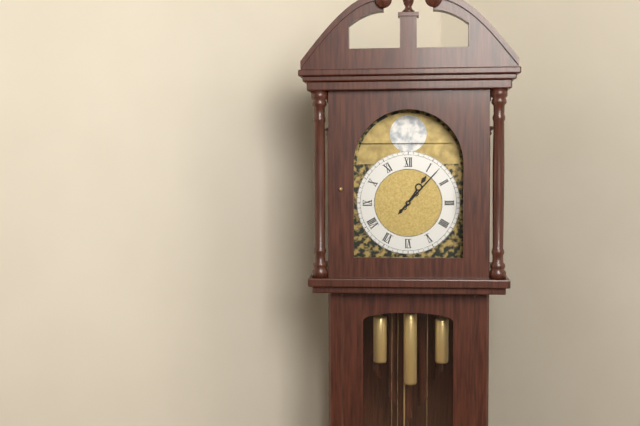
1h07
